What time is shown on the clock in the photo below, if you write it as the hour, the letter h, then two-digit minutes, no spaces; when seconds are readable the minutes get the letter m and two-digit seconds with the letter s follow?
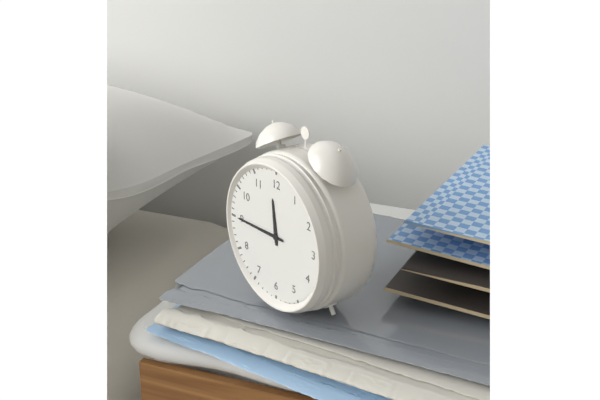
11h45
